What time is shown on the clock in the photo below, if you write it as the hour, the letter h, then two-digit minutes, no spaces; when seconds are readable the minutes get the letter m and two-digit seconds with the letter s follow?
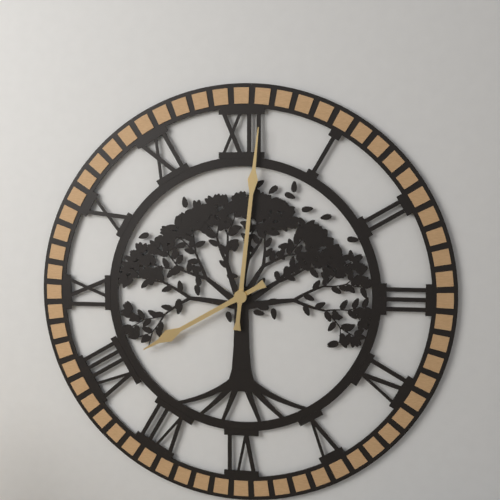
8h01
